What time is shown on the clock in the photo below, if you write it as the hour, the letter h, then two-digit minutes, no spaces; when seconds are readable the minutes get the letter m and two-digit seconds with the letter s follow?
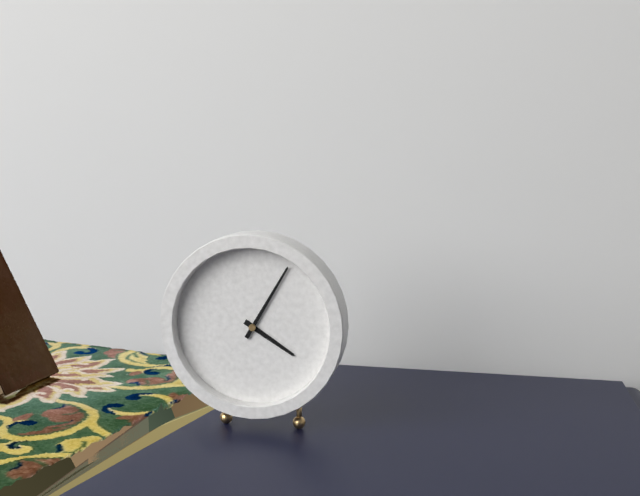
4h05
